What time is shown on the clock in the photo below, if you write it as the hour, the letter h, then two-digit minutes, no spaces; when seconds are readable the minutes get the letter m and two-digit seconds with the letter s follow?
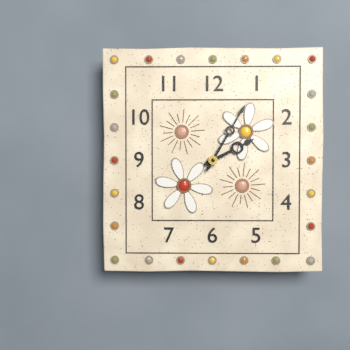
2h05
